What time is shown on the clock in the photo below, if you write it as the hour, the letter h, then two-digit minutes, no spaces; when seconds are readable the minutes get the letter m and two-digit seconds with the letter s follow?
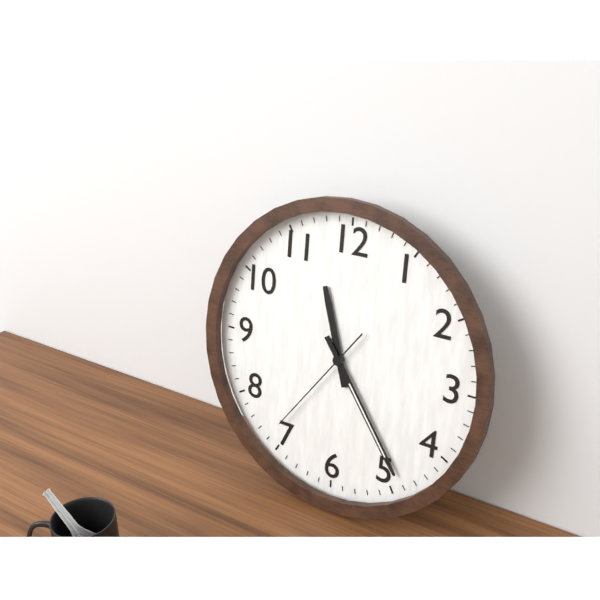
11h24m36s
